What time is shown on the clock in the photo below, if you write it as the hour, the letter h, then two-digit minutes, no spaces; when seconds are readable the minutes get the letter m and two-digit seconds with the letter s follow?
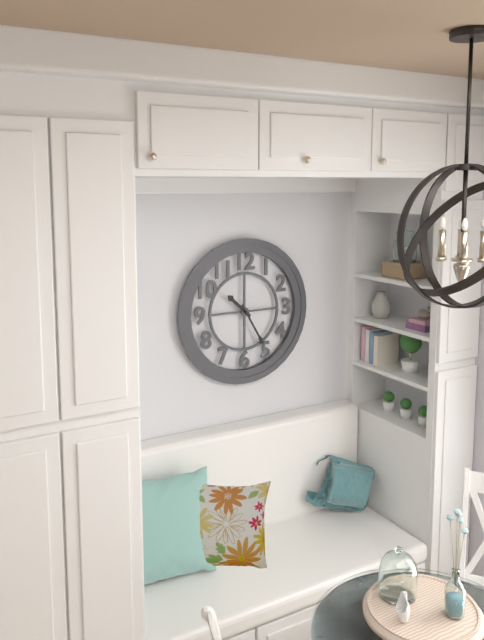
10h25
